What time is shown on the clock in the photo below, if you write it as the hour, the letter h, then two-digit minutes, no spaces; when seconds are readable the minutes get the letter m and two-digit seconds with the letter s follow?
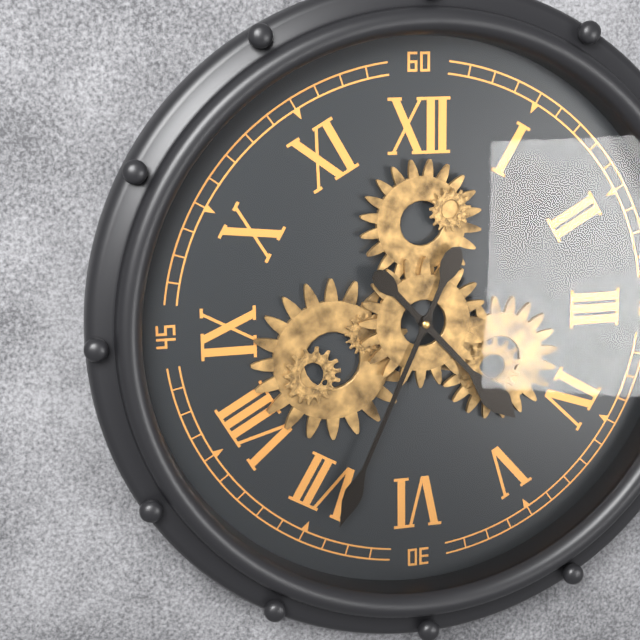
4h34
